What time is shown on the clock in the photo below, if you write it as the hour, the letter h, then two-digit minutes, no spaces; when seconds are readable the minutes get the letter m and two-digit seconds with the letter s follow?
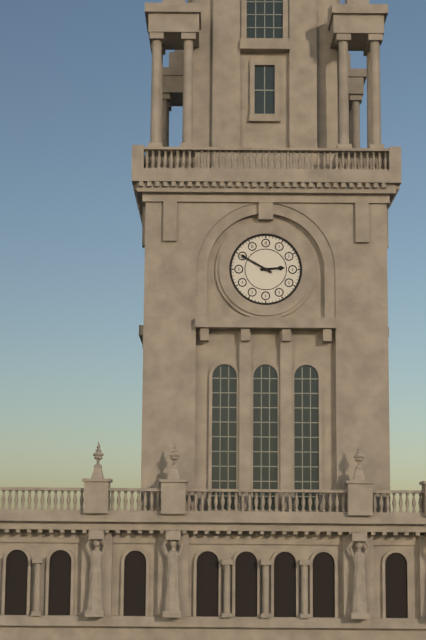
2h50
